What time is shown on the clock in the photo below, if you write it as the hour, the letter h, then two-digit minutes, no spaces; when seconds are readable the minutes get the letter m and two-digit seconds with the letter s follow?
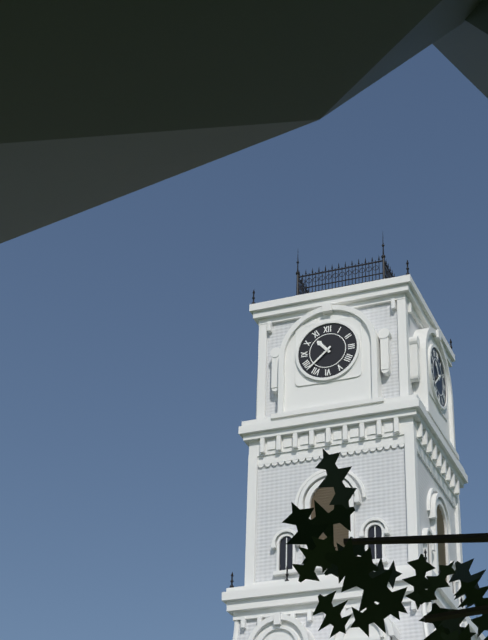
10h38
